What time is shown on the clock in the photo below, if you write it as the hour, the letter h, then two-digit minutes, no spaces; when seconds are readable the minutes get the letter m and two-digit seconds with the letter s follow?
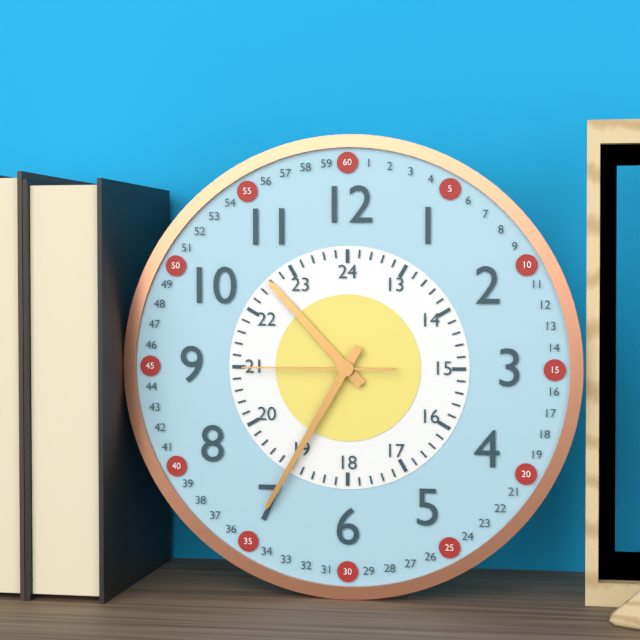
10h35m45s
